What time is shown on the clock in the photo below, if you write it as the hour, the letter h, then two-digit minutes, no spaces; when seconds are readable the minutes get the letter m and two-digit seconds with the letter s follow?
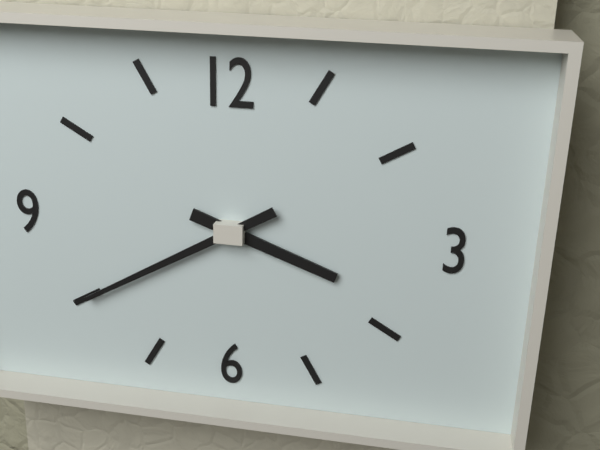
3h40
